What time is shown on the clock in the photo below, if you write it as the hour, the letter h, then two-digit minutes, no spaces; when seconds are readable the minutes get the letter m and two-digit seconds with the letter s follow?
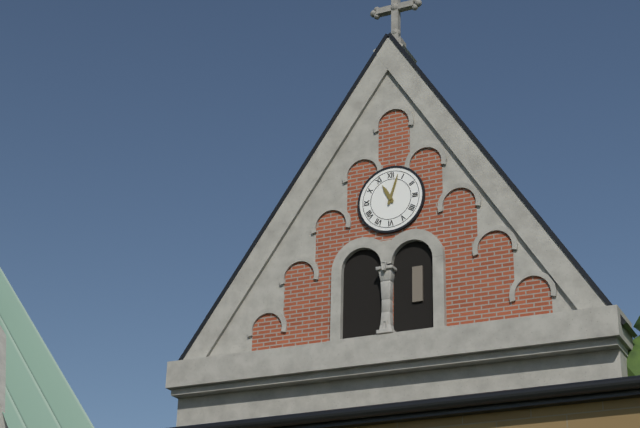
11h03
